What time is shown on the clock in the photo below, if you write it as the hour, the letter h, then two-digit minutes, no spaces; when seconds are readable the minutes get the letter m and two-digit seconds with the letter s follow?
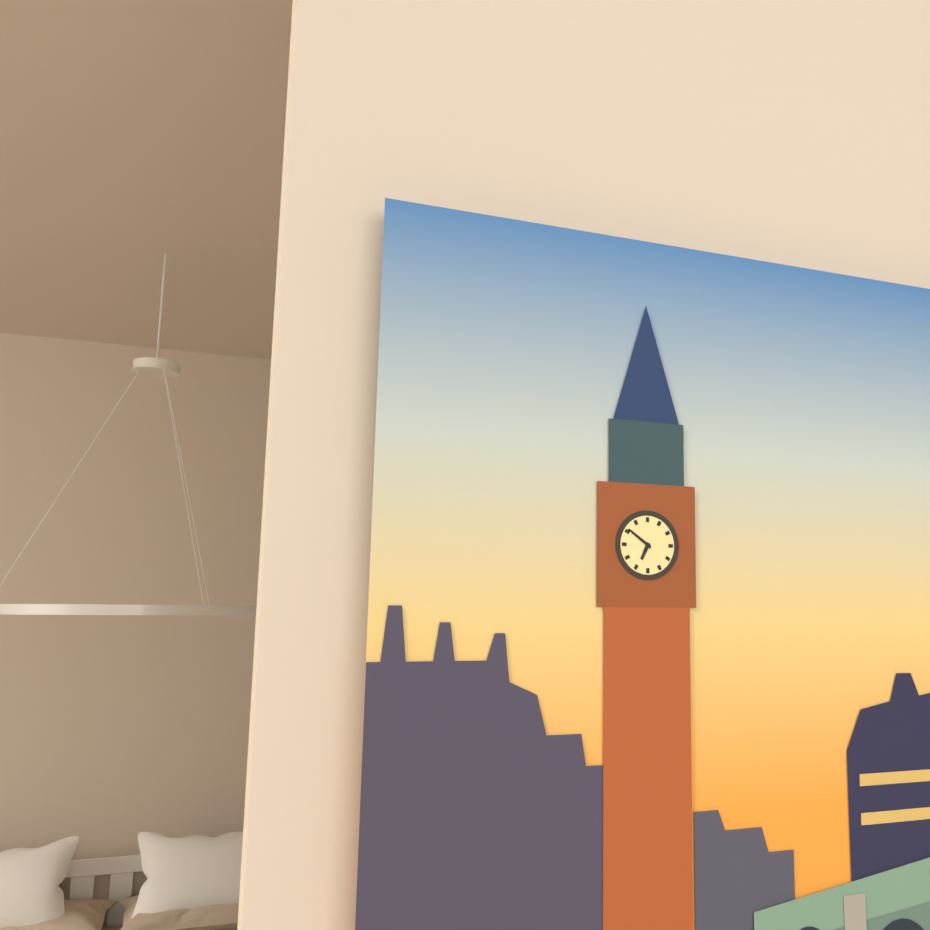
6h51
